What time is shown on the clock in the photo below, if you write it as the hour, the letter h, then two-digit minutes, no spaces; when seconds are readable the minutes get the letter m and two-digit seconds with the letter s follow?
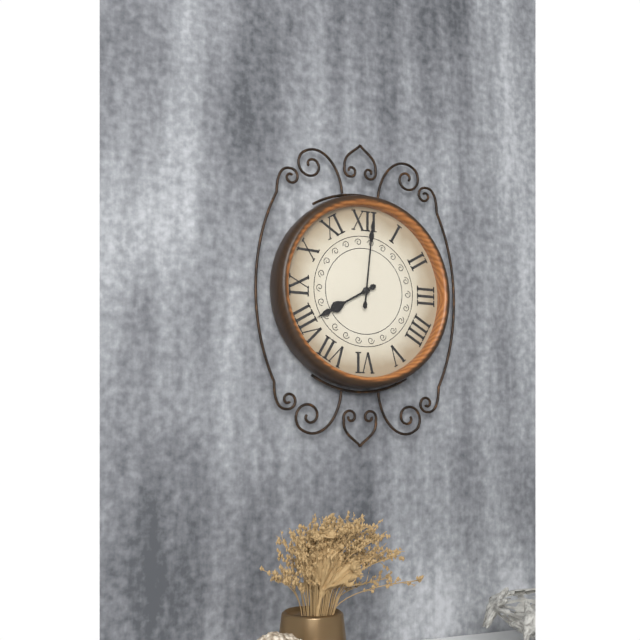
8h01
